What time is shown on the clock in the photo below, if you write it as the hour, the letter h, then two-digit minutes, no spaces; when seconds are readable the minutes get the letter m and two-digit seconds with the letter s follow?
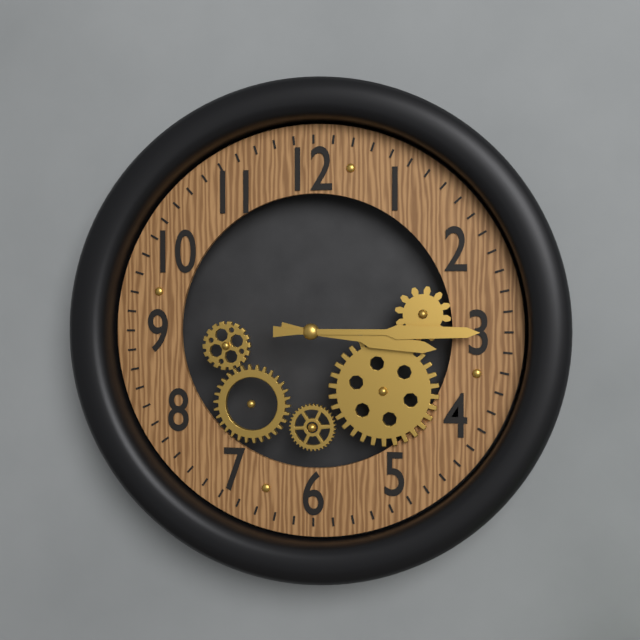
3h15
